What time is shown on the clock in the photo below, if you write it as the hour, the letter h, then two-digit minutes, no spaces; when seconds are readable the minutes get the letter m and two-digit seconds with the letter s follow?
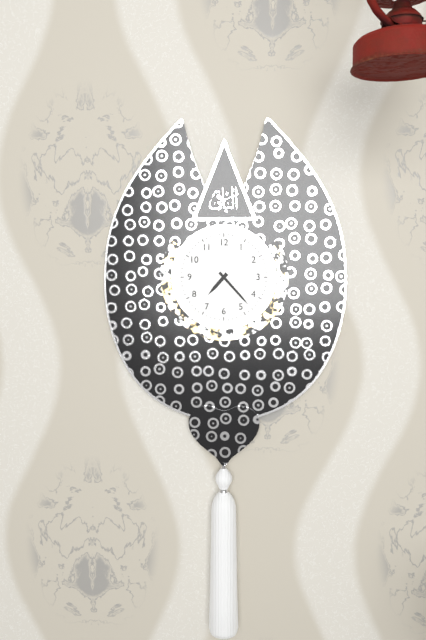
7h23
